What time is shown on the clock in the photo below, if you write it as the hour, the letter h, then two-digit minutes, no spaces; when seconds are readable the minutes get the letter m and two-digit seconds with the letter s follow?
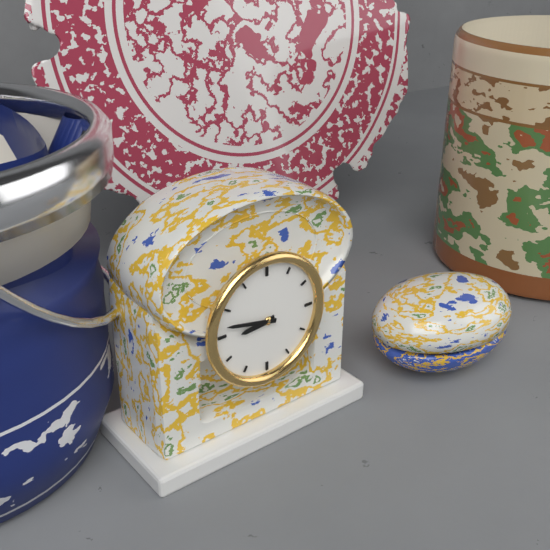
8h47
